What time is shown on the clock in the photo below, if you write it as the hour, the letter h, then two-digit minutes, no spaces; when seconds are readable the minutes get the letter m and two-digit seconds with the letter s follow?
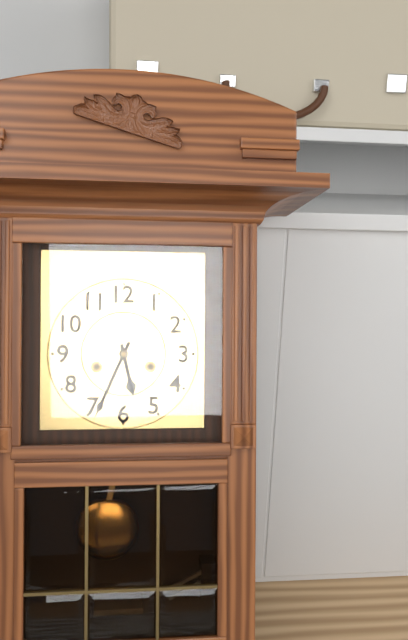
5h34
